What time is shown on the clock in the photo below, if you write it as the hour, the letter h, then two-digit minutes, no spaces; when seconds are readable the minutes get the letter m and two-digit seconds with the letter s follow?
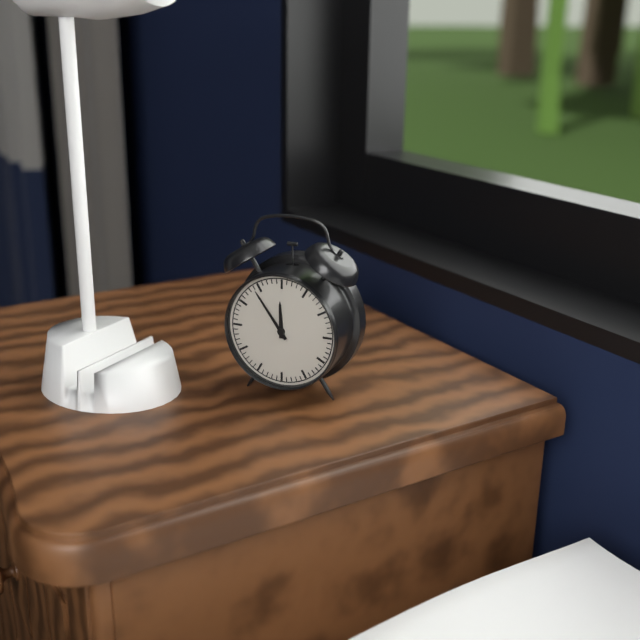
11h54
